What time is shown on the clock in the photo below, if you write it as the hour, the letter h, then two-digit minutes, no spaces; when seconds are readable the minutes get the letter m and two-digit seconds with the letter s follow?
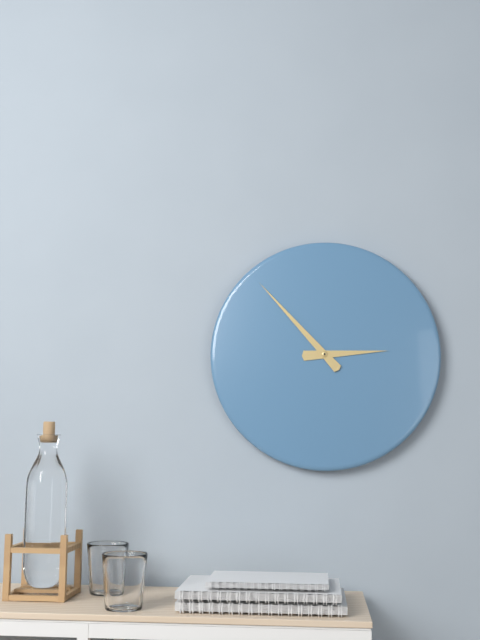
2h53
